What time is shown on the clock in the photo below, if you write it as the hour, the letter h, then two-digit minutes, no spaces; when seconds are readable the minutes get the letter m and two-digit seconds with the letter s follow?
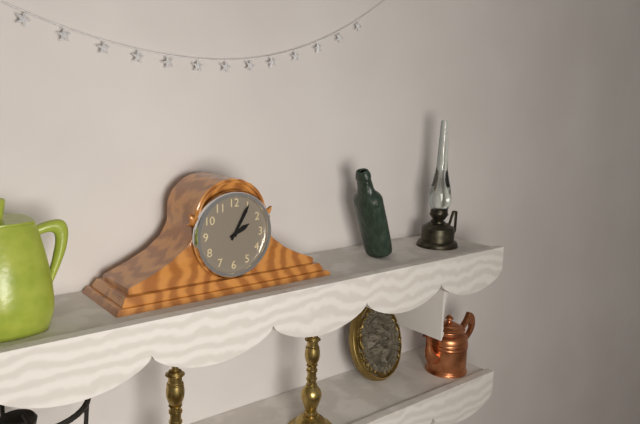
2h05
